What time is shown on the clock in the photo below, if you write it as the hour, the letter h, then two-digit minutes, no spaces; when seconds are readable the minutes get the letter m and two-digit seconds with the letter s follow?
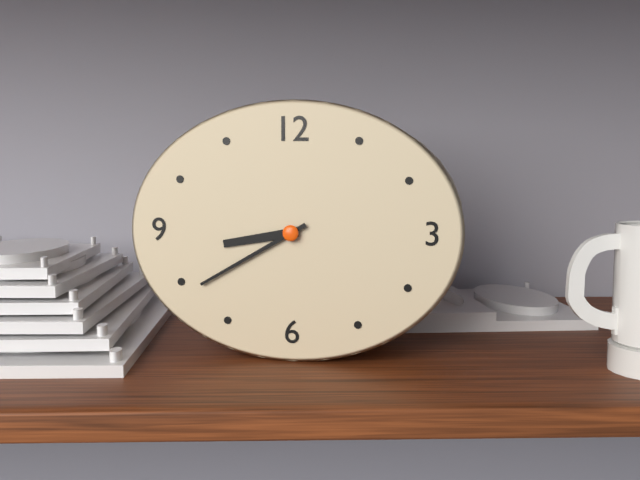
8h40
